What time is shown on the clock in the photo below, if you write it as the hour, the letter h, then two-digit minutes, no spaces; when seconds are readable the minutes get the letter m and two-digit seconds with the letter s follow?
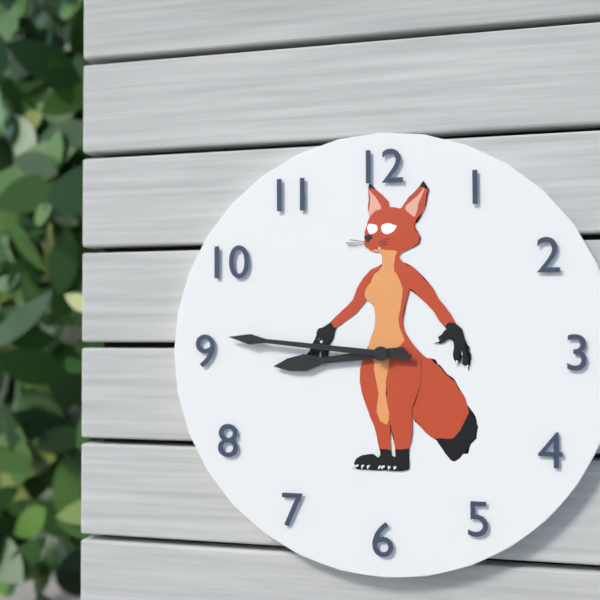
8h46
